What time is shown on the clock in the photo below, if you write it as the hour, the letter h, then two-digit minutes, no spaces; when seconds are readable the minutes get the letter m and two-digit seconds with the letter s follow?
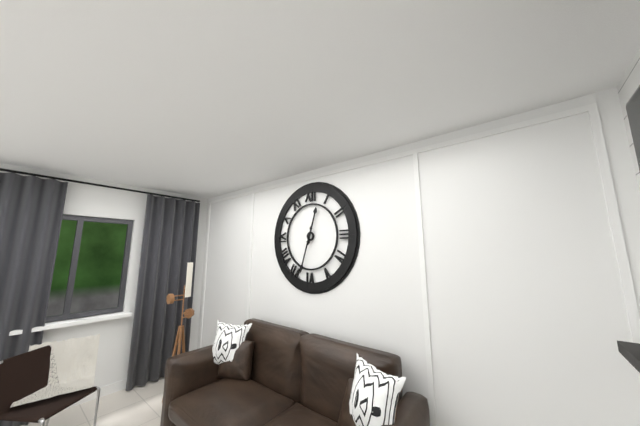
12h33
